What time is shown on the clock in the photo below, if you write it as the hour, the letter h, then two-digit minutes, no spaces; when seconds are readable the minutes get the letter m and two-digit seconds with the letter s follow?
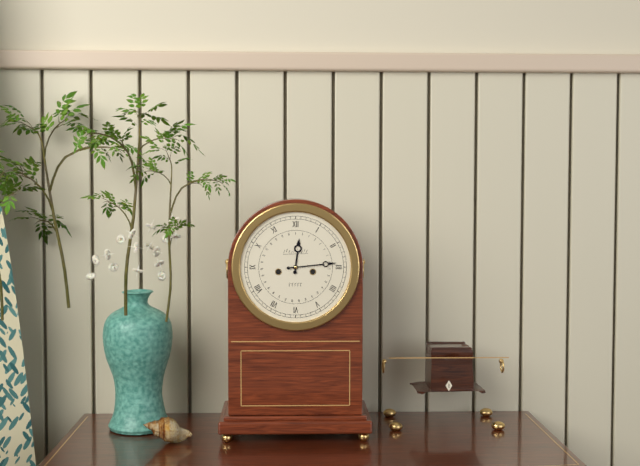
12h14
